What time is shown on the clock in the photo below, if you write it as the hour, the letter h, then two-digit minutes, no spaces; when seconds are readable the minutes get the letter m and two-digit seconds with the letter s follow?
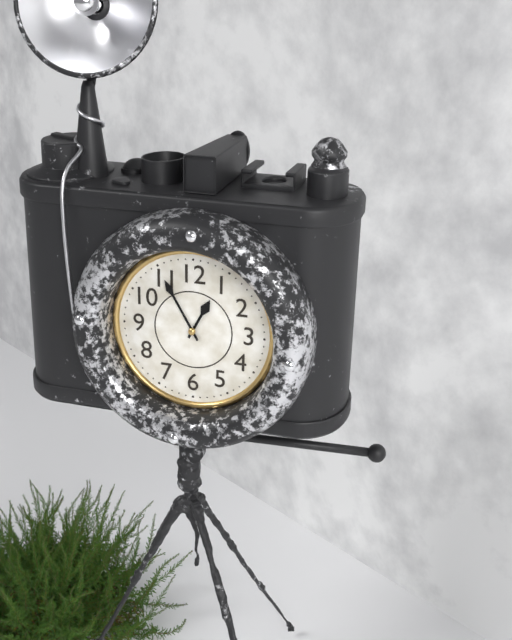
12h55
